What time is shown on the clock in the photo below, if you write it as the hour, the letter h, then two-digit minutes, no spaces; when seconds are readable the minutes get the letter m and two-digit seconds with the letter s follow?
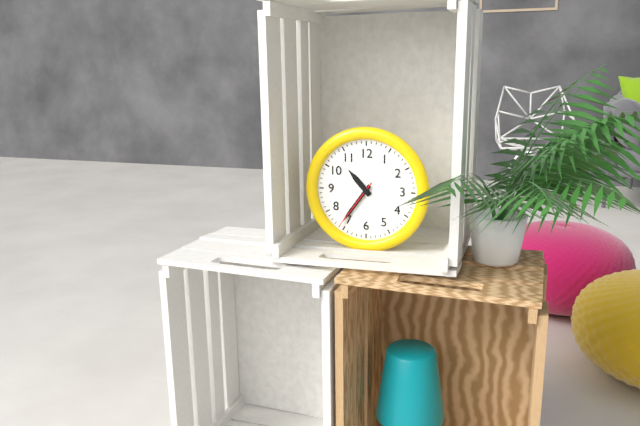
10h36m36s
